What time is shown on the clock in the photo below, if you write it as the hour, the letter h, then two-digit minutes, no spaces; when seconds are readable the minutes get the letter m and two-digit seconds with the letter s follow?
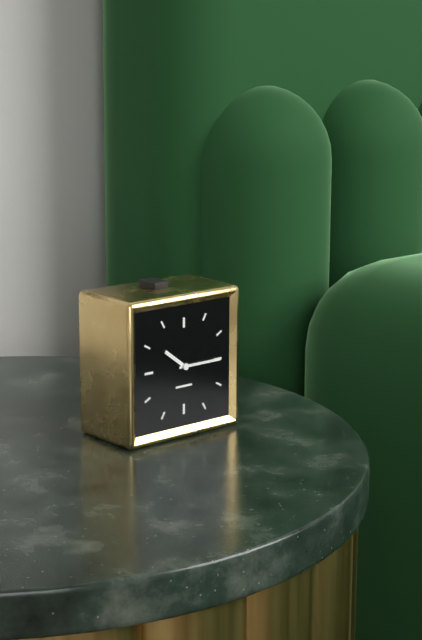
10h15
